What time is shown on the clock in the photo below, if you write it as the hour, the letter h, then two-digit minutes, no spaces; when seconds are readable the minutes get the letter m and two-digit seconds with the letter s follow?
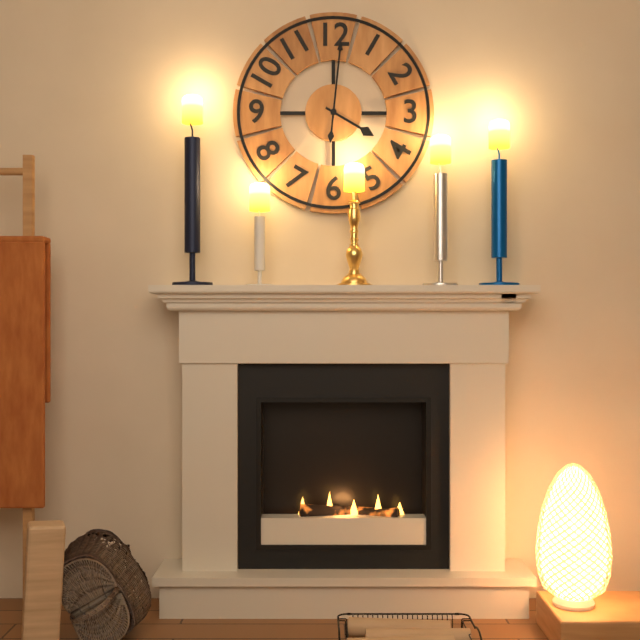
4h01
